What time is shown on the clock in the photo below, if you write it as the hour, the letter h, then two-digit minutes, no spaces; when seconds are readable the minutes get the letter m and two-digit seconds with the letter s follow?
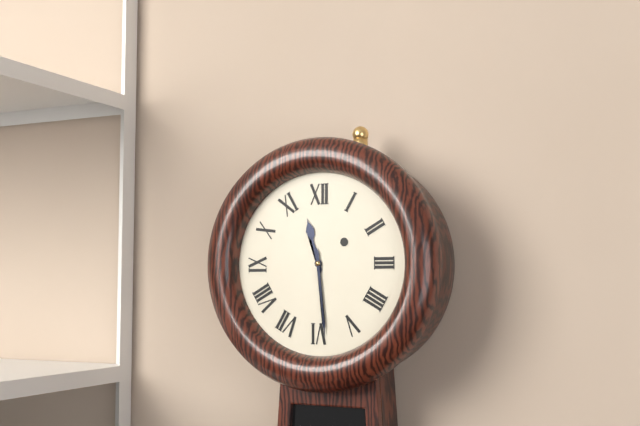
11h29
